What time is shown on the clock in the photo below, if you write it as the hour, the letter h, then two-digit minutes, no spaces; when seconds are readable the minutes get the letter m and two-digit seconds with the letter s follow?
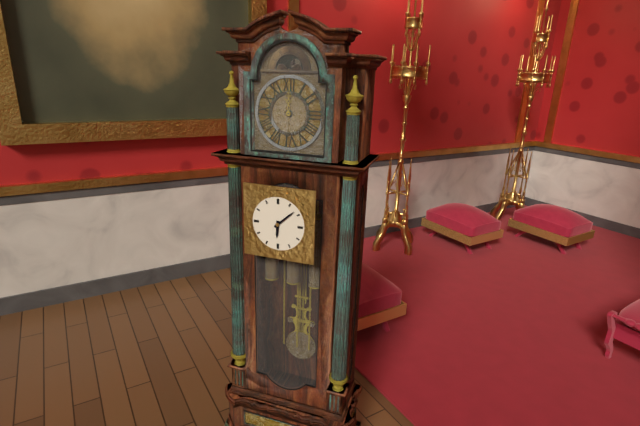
6h08
